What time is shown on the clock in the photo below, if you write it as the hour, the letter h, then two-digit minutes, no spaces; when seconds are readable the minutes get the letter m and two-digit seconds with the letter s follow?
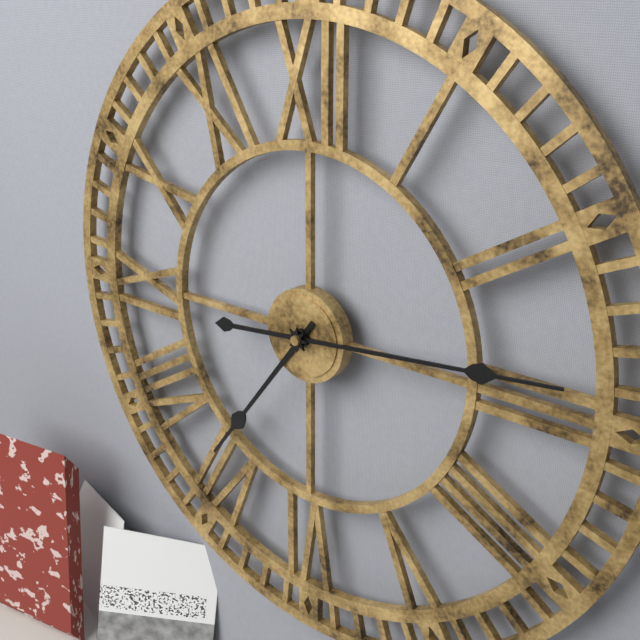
7h14
